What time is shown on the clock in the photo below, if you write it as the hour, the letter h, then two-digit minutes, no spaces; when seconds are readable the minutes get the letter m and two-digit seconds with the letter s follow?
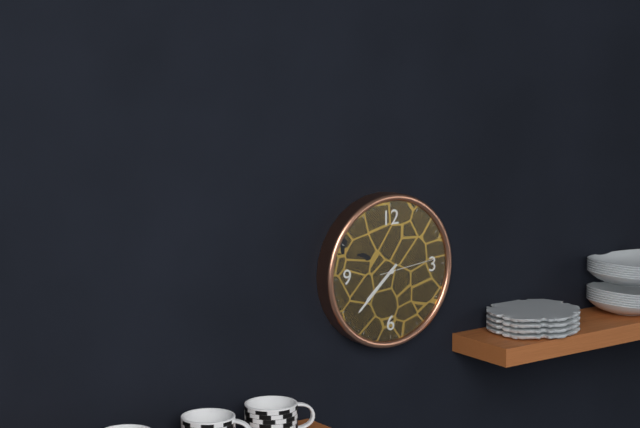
7h38m14s
